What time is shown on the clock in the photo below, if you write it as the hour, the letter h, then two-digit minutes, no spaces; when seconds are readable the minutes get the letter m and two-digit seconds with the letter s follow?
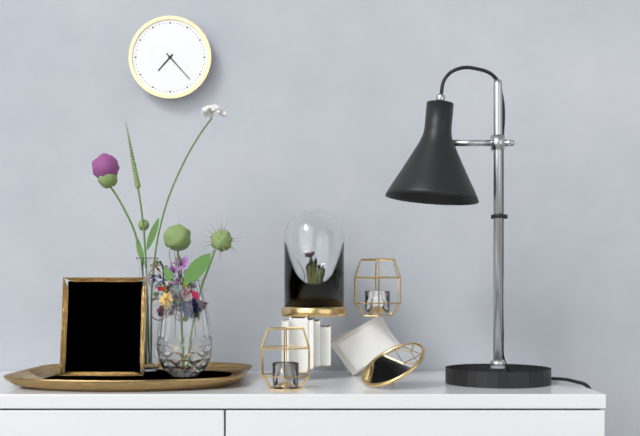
7h23
